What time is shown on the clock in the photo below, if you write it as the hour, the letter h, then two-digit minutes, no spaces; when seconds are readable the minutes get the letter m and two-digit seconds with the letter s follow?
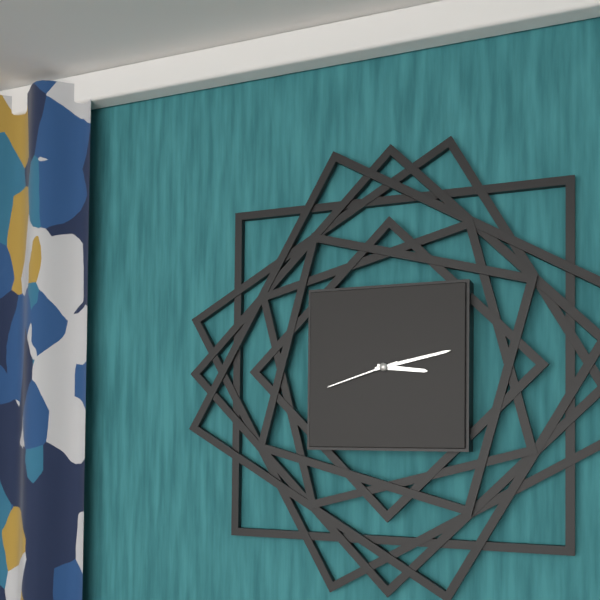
3h13m42s
